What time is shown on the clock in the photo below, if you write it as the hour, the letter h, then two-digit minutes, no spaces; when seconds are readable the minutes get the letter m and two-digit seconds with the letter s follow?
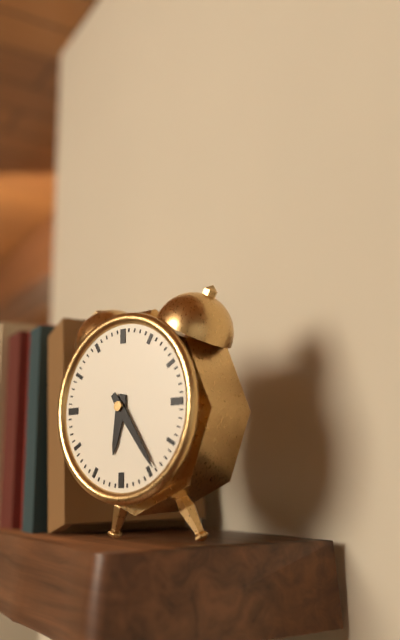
6h24
